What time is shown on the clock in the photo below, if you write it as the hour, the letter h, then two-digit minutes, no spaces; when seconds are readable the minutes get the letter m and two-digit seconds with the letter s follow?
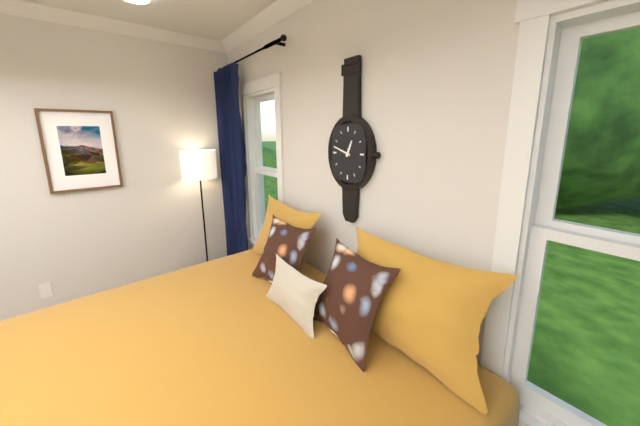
12h48
